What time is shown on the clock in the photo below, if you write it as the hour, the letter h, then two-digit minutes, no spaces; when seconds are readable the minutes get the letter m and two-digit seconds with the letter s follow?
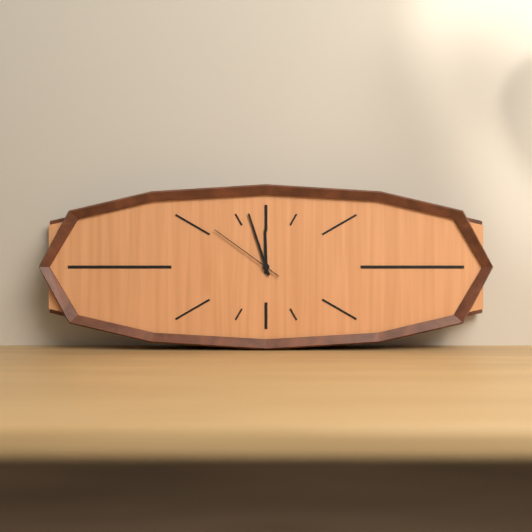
11h57m51s
